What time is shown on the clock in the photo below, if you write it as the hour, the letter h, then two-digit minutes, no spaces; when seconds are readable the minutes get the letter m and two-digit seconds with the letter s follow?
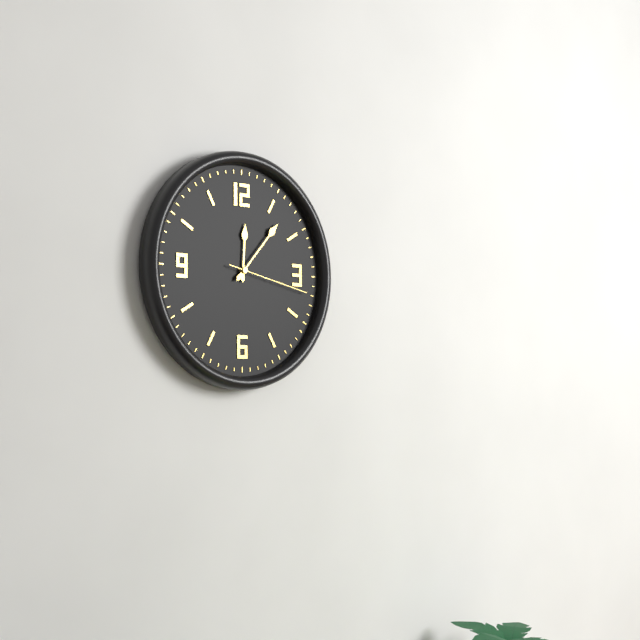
12h07m17s
